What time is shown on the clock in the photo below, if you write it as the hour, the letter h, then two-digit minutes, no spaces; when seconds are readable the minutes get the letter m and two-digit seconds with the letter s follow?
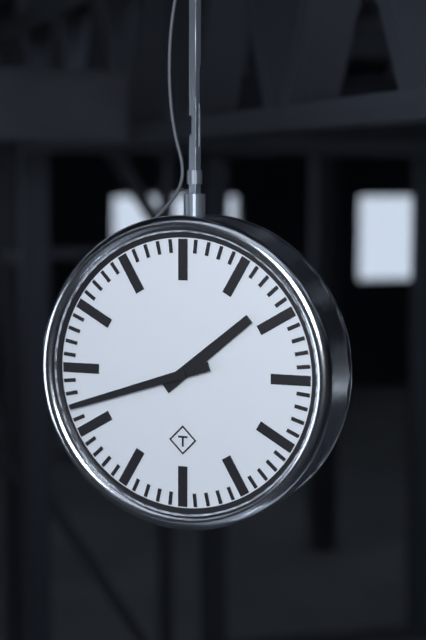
1h42
